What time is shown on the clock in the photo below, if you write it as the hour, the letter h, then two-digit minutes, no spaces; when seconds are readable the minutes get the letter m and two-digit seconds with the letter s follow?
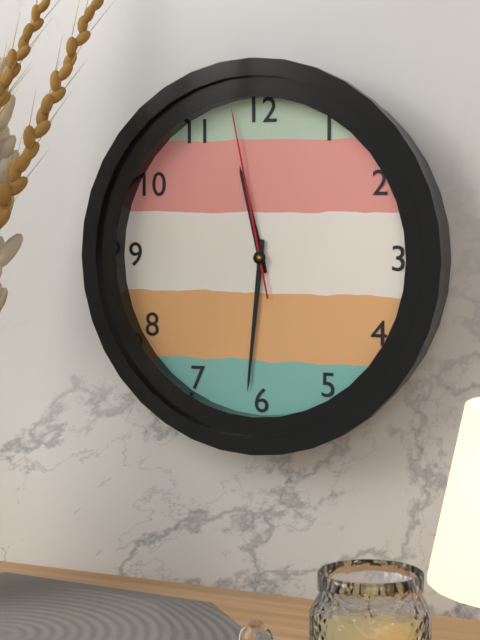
11h31m58s
